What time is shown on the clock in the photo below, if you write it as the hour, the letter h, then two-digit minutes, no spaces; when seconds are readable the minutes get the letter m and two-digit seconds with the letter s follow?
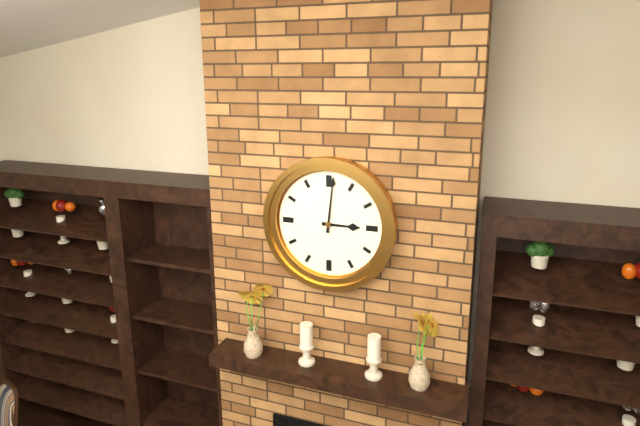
3h01
